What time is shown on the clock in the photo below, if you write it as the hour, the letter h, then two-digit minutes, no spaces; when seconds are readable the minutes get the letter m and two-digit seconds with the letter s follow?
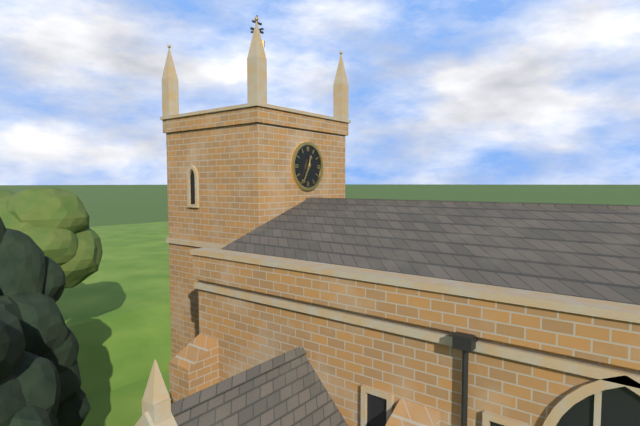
12h35
